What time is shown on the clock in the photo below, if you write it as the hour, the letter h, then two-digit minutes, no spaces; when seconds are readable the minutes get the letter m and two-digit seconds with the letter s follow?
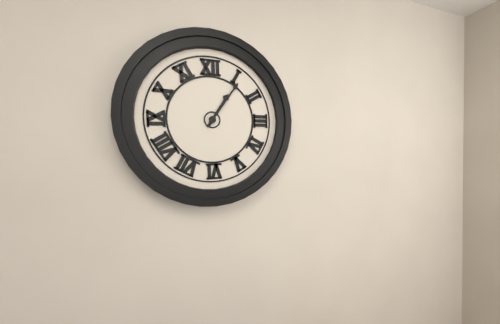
1h06
